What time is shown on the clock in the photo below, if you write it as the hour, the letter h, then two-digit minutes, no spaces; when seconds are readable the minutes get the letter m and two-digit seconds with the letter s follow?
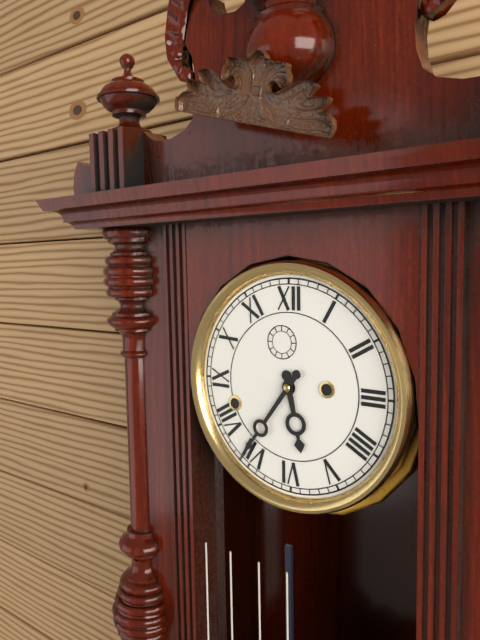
5h36
